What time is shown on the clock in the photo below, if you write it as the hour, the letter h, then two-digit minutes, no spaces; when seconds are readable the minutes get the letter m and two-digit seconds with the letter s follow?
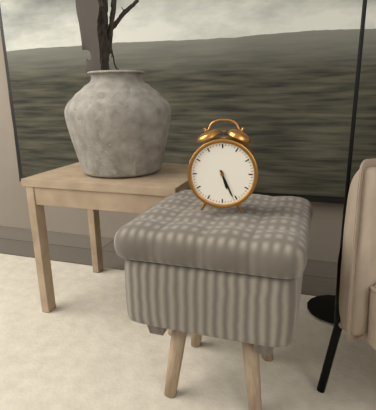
5h26
